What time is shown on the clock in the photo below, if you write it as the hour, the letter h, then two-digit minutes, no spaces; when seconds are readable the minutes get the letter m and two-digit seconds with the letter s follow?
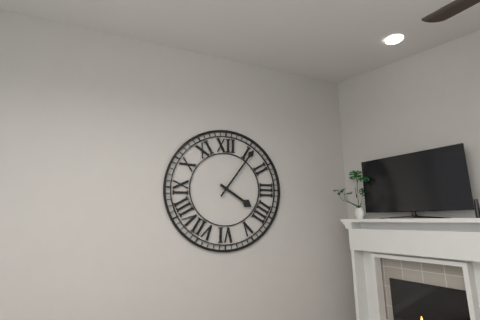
4h06
